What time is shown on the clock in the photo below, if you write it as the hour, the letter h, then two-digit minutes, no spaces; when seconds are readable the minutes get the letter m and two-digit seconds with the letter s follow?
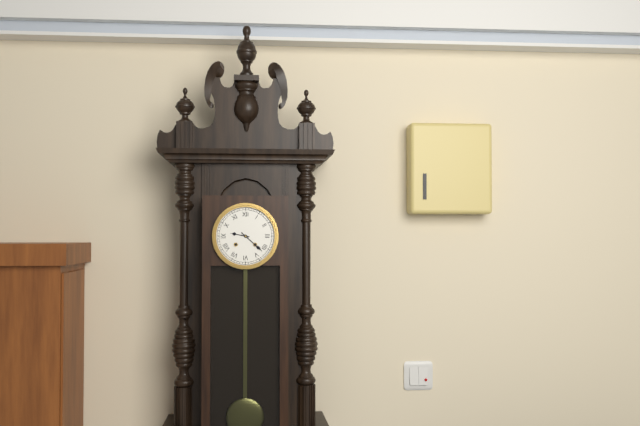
9h22
